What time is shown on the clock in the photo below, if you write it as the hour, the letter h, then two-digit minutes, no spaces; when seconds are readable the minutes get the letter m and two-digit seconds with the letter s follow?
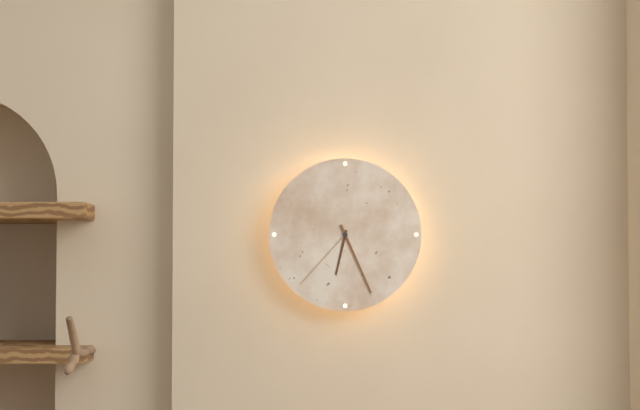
6h26m37s
